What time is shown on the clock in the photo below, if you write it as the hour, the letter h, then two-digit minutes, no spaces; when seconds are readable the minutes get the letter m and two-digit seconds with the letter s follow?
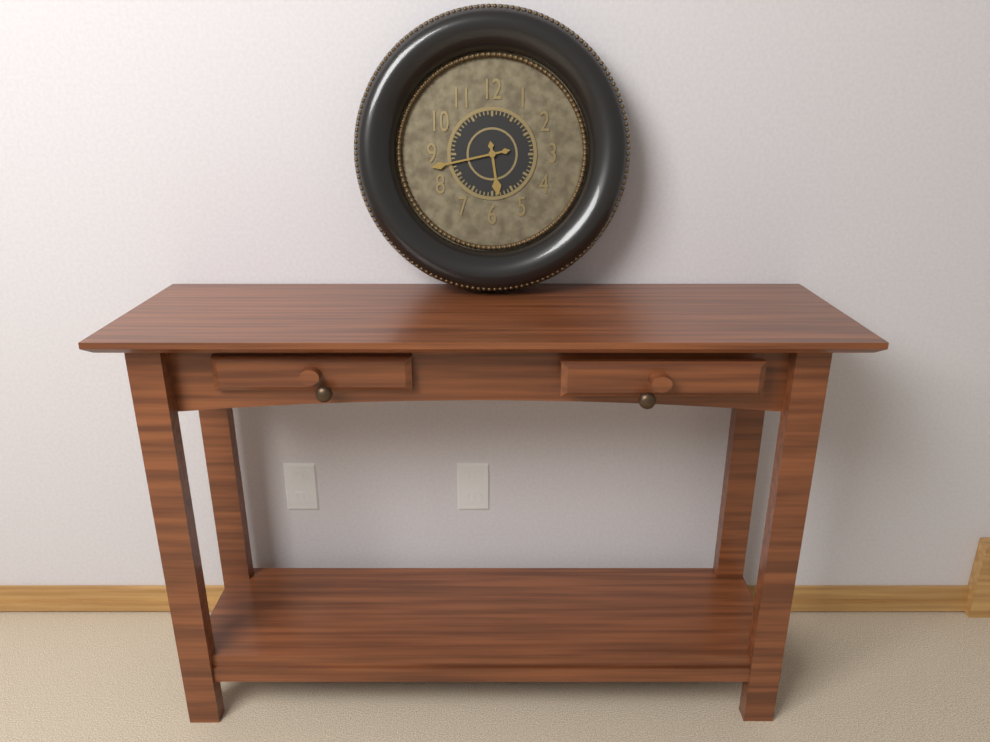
5h43
